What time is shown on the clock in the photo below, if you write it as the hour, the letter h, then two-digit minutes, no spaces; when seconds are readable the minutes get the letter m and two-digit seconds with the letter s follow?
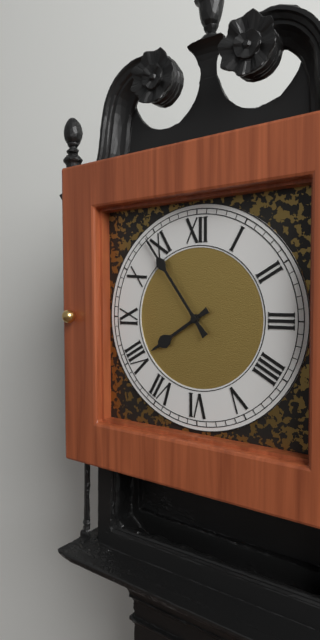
7h54
